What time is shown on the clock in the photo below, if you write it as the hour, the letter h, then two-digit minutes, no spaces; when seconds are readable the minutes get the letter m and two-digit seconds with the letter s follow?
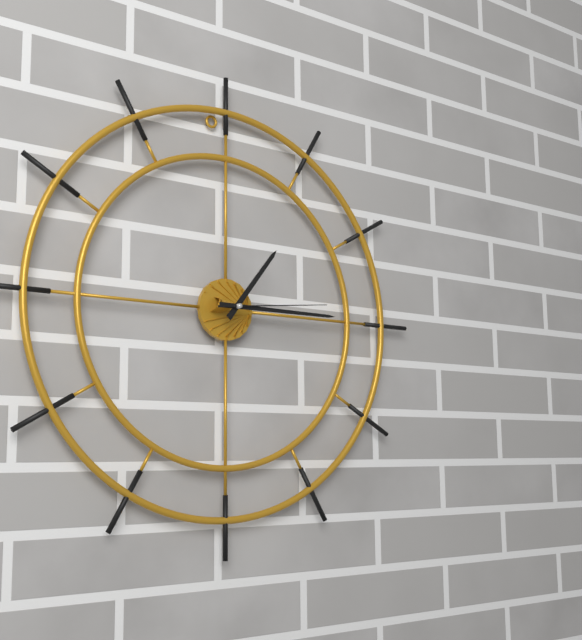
1h15m14s
